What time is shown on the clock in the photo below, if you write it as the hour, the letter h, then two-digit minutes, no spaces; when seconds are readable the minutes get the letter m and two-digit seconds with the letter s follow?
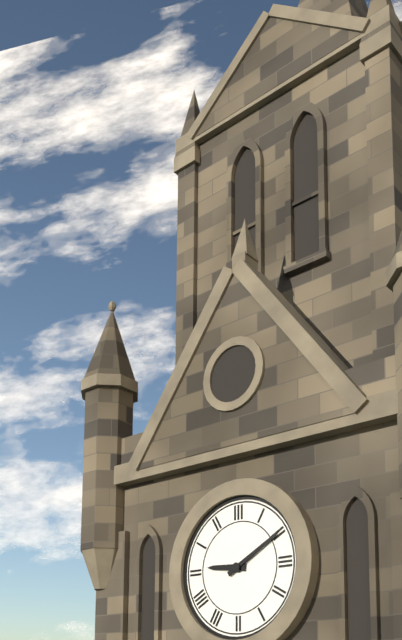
9h10
